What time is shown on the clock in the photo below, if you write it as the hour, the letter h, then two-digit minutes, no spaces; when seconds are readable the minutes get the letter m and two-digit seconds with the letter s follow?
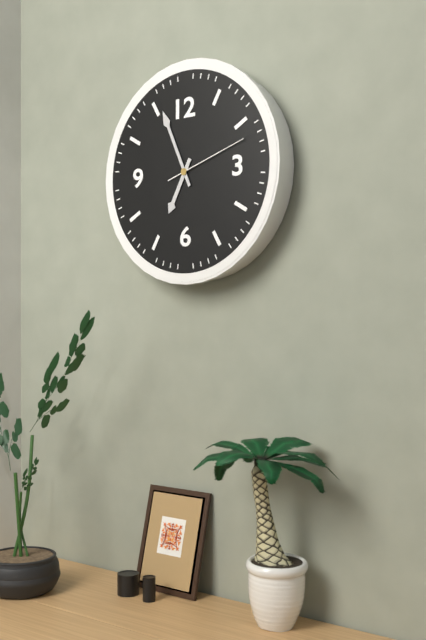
6h56m12s
